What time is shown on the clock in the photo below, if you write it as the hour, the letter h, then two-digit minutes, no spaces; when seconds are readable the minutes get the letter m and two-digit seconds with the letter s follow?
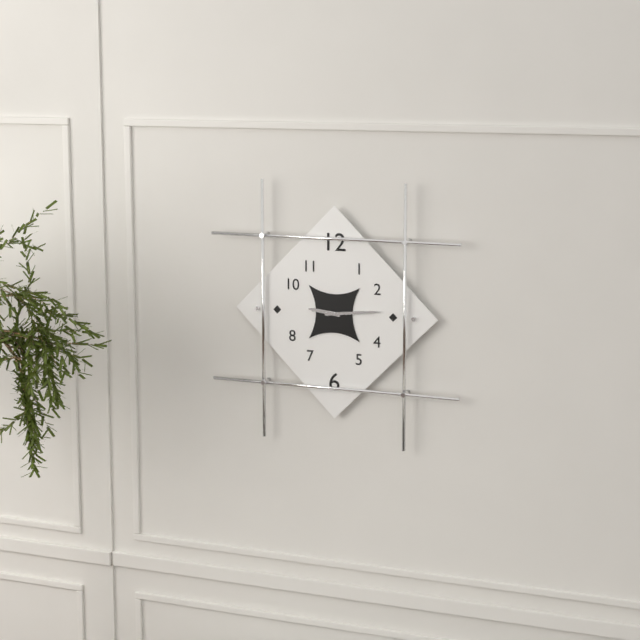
9h14
